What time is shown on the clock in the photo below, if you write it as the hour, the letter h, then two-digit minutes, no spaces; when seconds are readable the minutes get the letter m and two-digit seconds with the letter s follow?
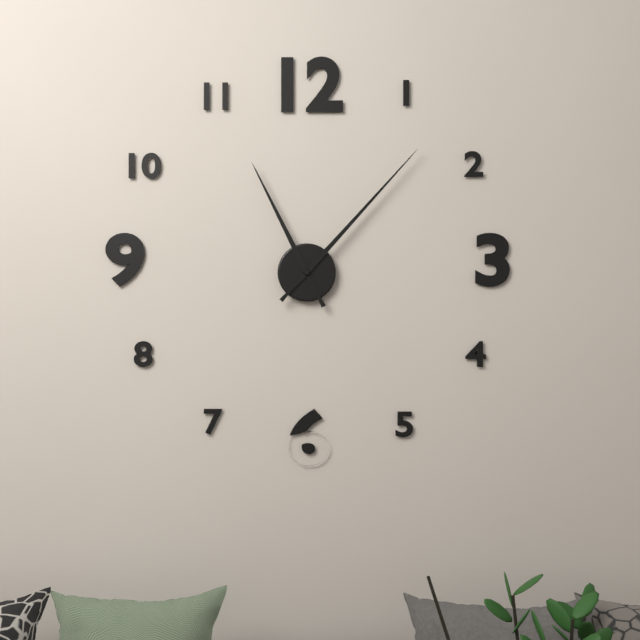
11h07
